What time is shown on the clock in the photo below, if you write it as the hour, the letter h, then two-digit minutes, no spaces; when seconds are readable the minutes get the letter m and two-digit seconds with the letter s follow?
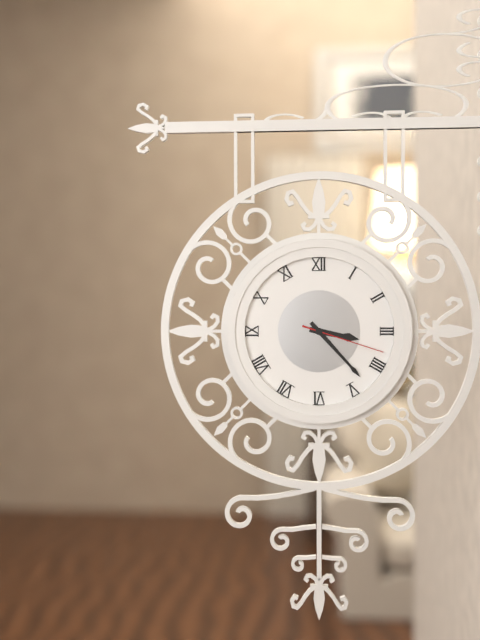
3h23m18s
